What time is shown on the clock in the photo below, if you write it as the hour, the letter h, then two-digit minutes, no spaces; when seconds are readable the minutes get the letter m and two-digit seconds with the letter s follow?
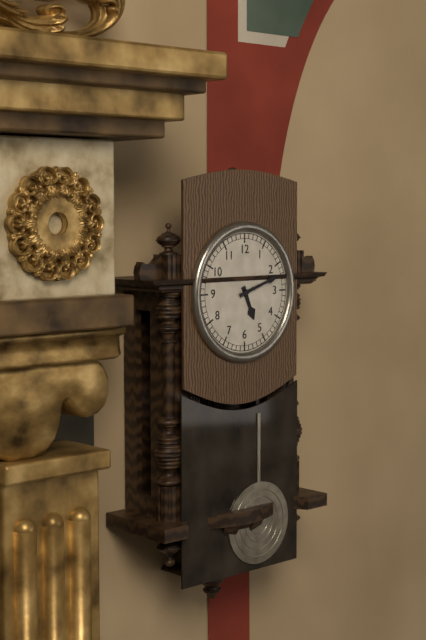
5h12
